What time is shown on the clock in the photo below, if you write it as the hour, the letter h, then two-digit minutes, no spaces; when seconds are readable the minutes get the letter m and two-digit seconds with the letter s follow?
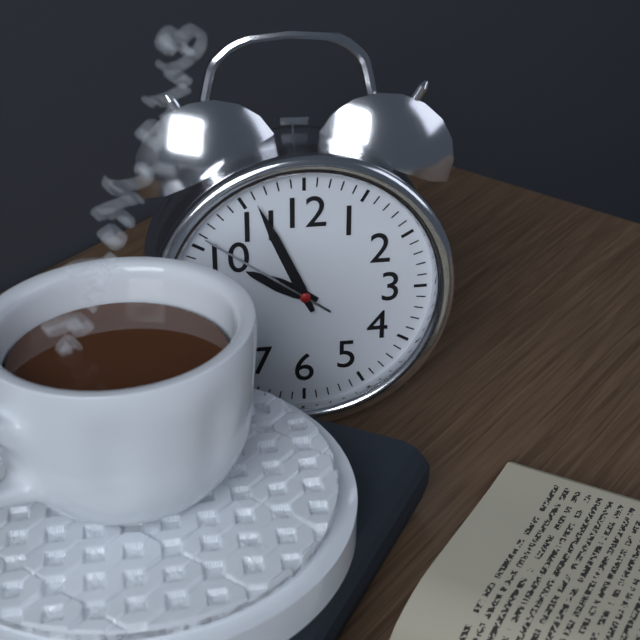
9h56m51s
